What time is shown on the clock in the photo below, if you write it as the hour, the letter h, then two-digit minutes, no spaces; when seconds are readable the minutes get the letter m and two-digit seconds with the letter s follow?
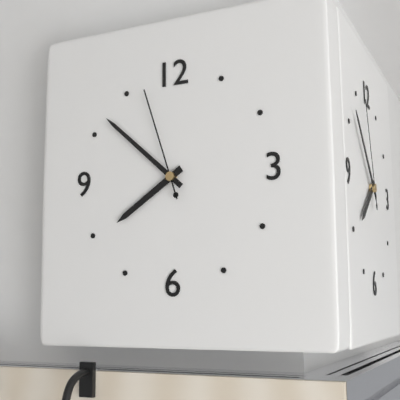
7h52m57s
